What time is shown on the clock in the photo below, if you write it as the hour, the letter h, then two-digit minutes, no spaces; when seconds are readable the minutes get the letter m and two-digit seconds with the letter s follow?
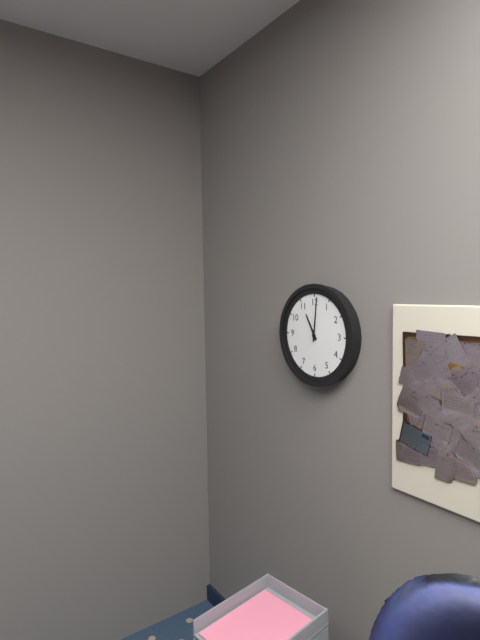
11h01
